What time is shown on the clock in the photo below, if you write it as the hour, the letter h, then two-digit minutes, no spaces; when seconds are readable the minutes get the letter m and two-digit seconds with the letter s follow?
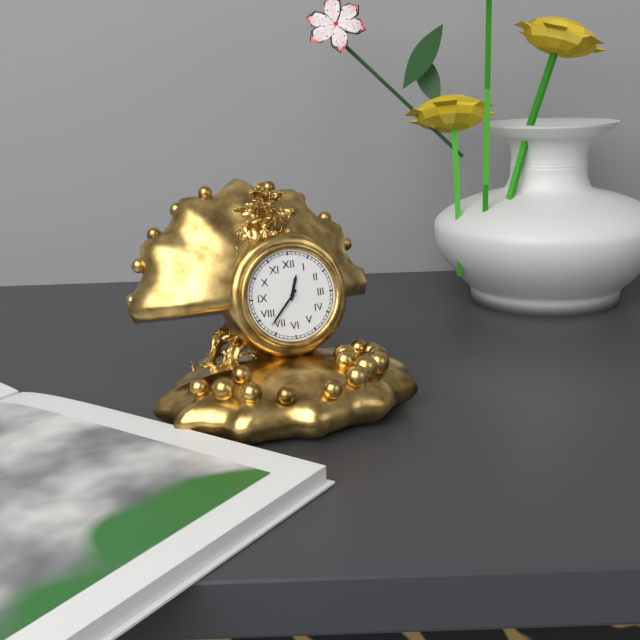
12h37
